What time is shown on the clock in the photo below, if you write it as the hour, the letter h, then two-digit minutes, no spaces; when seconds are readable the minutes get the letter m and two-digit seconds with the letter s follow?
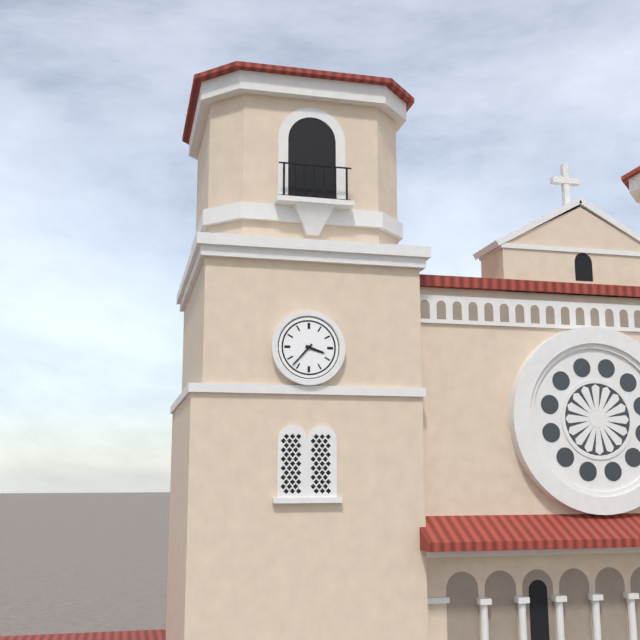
3h37
